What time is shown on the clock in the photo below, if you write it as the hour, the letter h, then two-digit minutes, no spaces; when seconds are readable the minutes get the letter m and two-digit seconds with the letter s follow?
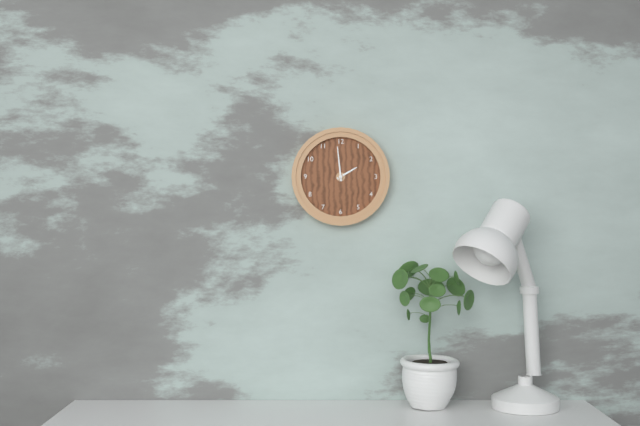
1h59
